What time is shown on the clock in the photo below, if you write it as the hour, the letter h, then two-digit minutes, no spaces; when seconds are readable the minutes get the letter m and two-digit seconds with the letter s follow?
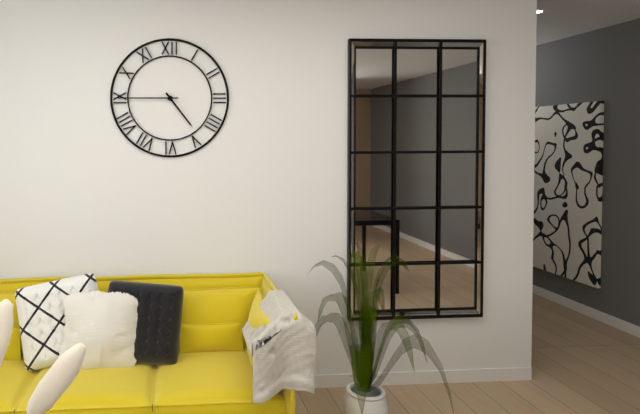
4h45
